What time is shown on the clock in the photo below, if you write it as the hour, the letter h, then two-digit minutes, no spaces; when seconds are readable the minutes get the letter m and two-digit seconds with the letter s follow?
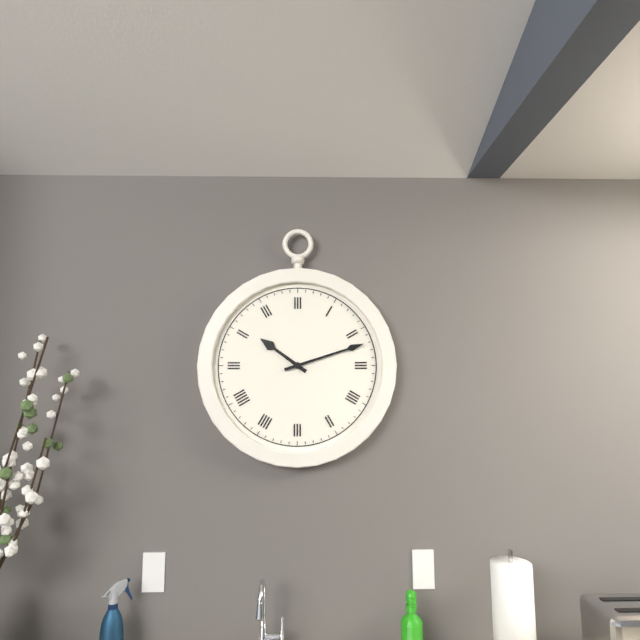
10h12
